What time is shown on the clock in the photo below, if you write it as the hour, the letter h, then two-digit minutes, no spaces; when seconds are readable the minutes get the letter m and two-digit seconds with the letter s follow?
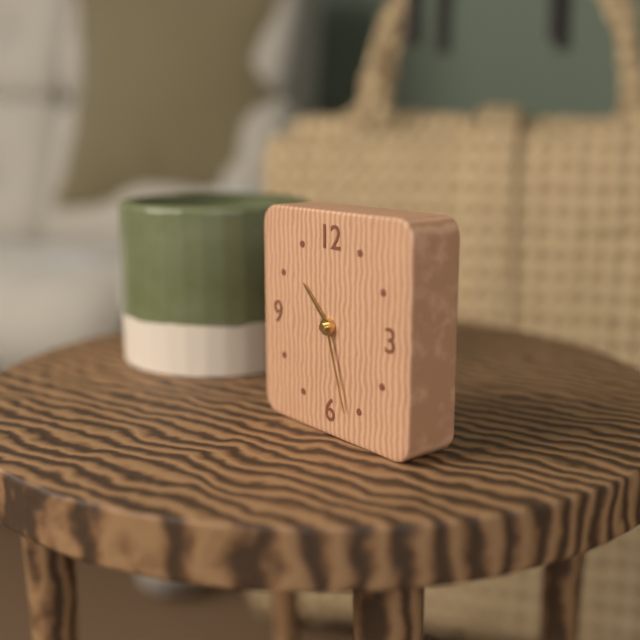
10h27
